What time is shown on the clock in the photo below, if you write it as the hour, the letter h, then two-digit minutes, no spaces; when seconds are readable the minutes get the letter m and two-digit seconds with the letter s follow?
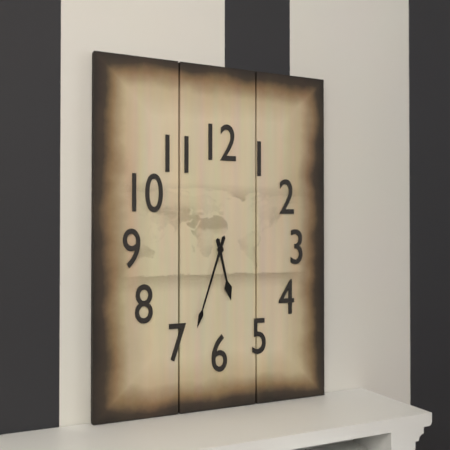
5h33
